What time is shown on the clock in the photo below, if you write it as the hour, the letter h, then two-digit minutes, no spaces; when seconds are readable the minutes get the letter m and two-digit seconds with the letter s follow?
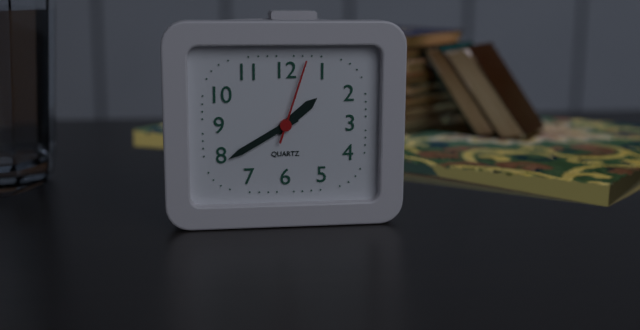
1h40m03s
